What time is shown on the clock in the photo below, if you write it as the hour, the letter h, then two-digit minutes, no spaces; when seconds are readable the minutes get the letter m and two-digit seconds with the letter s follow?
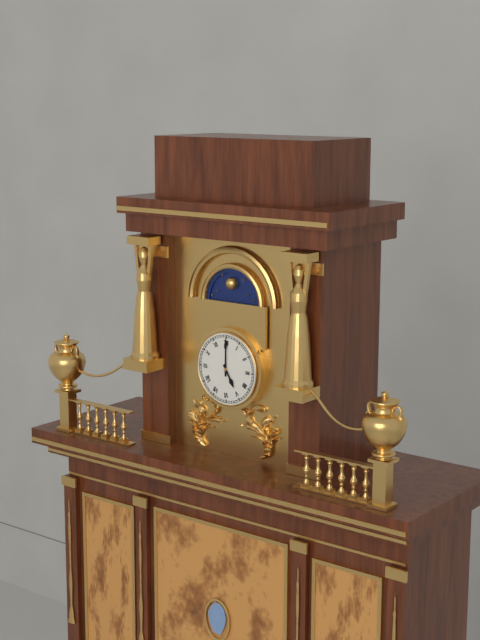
5h00
